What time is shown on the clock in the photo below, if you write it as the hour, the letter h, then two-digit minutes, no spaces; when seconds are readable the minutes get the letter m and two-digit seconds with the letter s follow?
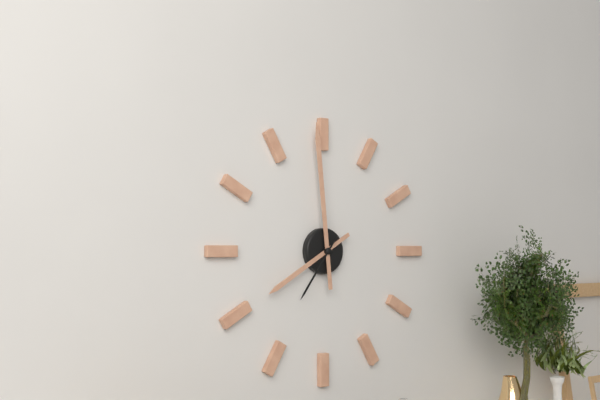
7h59m36s
